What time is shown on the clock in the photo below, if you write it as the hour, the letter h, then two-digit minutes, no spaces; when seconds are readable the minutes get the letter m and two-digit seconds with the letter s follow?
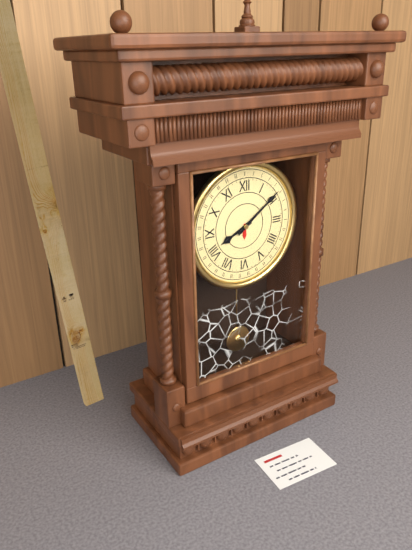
8h09
